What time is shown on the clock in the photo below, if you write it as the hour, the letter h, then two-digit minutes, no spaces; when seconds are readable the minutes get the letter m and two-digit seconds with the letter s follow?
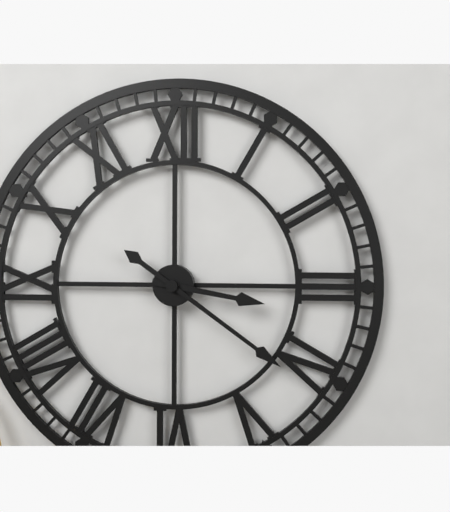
3h21
